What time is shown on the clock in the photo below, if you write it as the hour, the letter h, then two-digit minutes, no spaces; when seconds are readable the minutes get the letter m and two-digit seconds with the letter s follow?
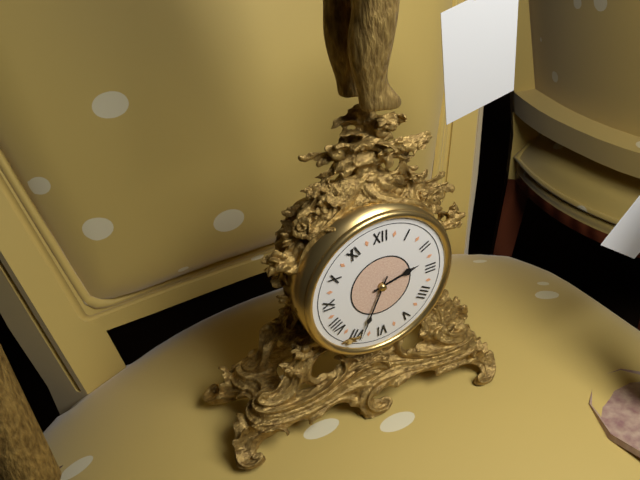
2h34
